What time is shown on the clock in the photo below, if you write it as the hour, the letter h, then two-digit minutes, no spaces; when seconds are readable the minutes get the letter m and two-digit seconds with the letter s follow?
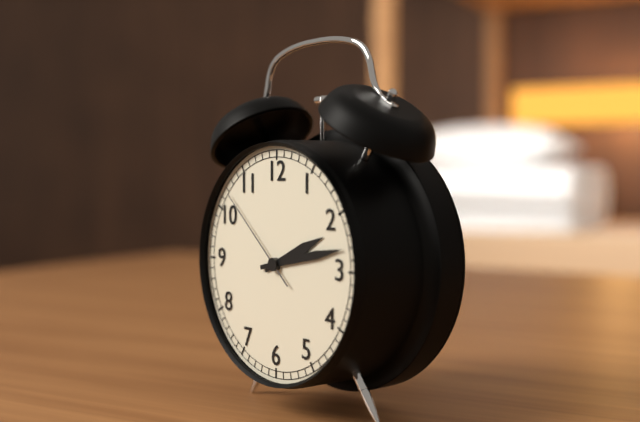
2h13m52s
